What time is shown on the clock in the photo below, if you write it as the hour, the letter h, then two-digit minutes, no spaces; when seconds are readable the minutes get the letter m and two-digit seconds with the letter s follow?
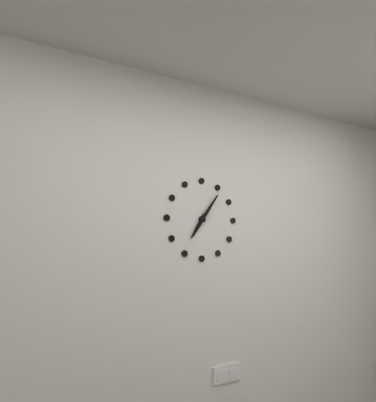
7h06
